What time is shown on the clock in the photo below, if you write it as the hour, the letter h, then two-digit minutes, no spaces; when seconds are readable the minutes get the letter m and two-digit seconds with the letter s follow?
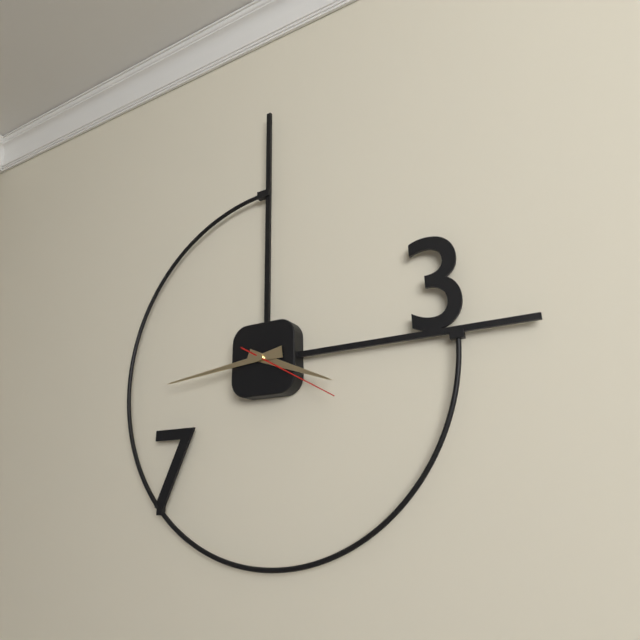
3h44m20s
